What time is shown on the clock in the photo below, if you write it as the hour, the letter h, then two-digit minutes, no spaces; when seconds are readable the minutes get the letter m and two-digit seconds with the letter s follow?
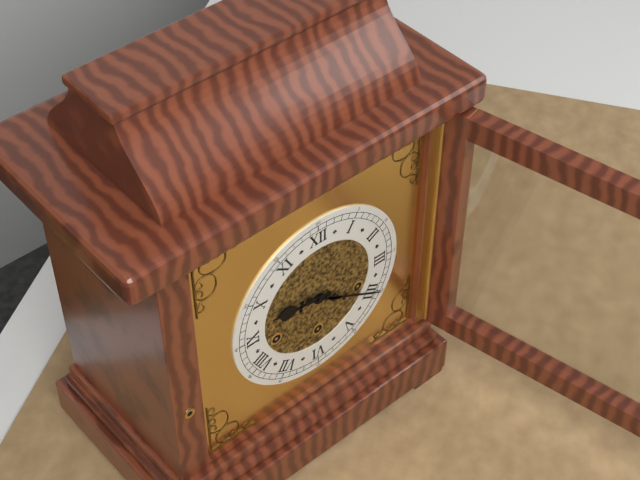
9h20
